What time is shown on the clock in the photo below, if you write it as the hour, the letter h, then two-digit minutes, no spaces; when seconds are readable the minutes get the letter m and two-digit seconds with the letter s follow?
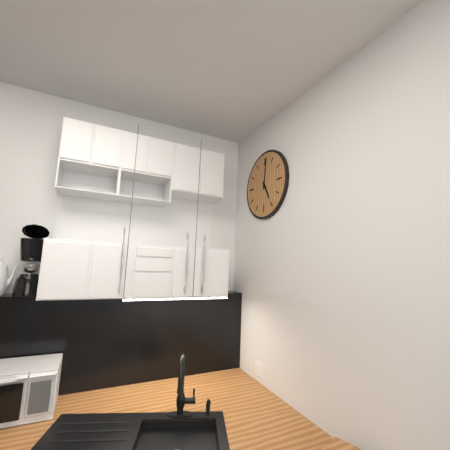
5h01
